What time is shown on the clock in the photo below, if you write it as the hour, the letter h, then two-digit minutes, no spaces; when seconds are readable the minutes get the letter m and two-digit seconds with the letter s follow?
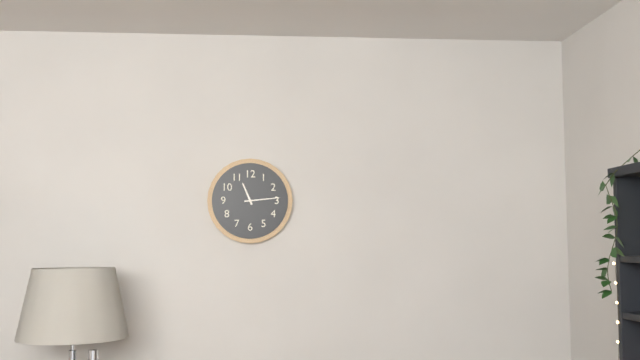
11h14
